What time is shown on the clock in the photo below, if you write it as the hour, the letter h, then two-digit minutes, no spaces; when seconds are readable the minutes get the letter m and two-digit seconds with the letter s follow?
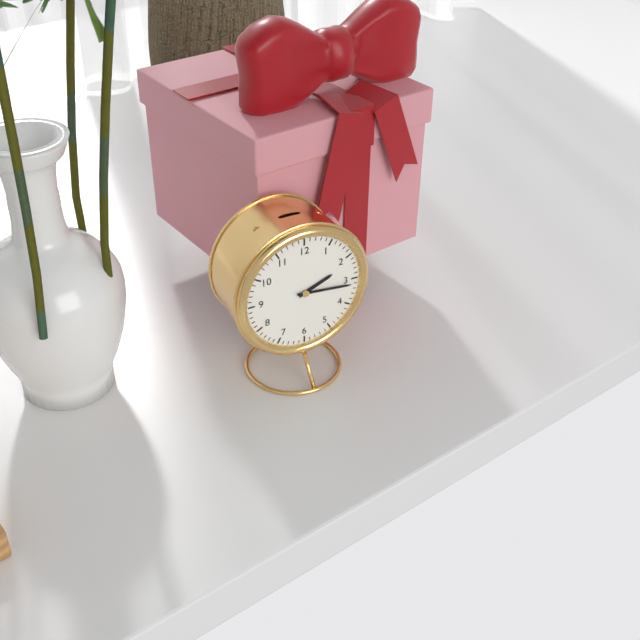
2h16
